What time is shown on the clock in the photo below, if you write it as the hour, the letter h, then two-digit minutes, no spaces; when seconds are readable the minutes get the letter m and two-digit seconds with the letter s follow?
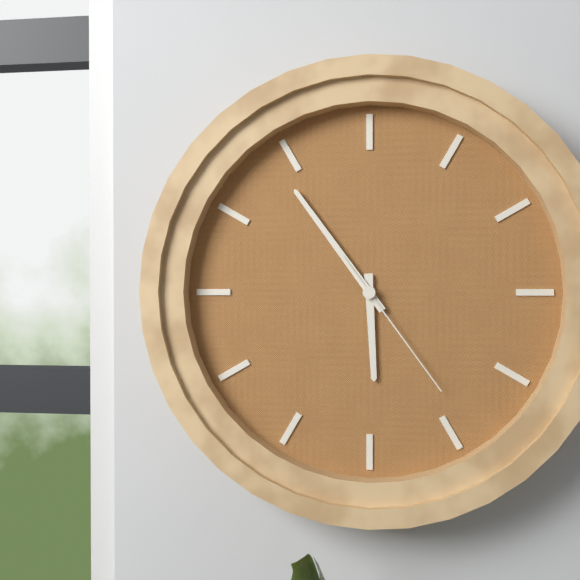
5h54m24s
